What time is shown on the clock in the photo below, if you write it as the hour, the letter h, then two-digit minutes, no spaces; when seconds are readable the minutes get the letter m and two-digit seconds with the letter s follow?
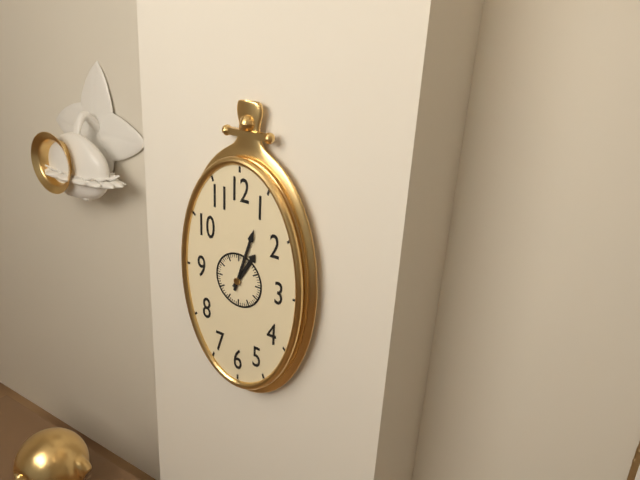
1h03
